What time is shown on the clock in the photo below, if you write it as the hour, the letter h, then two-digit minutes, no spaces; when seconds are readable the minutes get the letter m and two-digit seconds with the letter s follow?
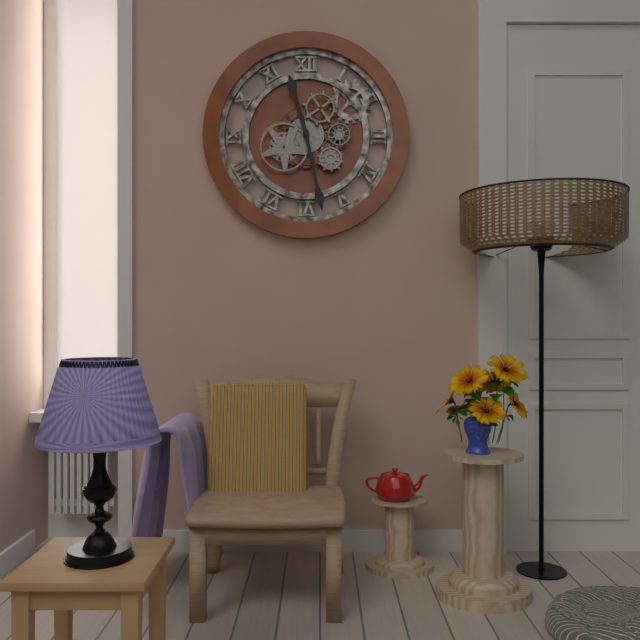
11h28
